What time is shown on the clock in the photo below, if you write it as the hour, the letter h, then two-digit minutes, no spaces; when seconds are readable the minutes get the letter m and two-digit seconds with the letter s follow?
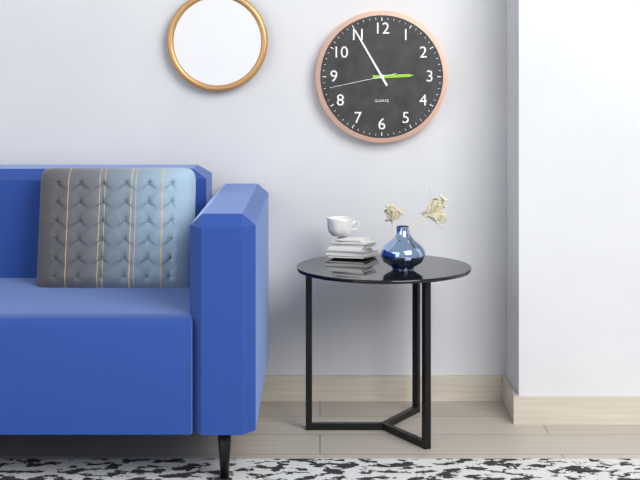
2h55m43s
